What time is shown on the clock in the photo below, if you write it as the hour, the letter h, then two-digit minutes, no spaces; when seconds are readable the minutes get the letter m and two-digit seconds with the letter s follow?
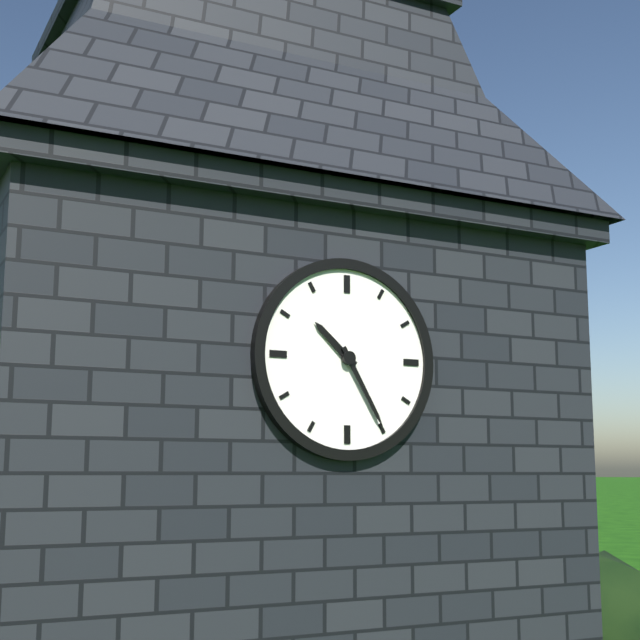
10h25
